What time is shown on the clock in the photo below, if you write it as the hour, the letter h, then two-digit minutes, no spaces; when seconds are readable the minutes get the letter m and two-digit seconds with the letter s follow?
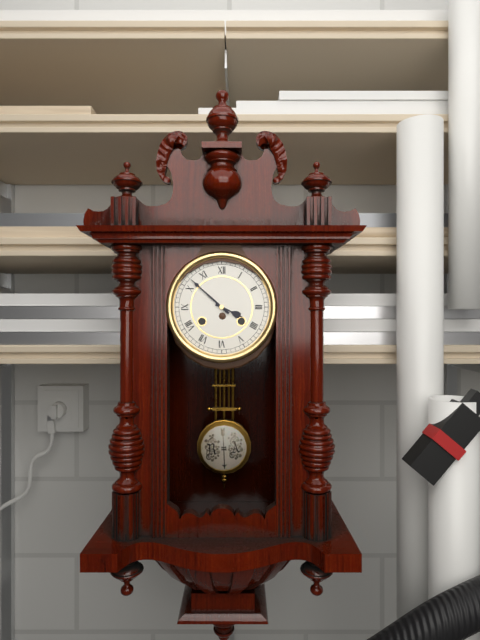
3h52
